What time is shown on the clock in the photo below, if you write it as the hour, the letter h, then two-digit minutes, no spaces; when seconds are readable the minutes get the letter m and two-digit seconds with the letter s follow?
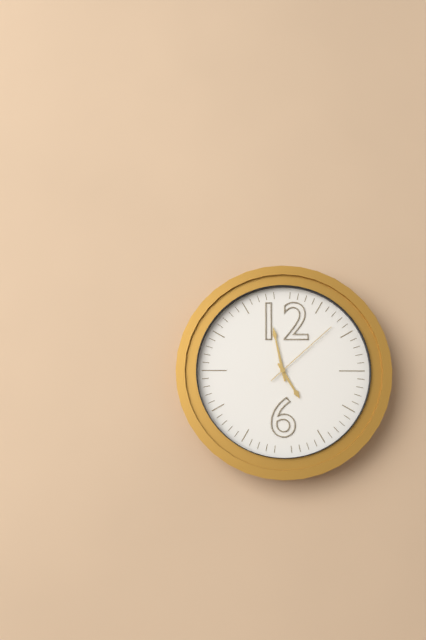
4h58m08s
